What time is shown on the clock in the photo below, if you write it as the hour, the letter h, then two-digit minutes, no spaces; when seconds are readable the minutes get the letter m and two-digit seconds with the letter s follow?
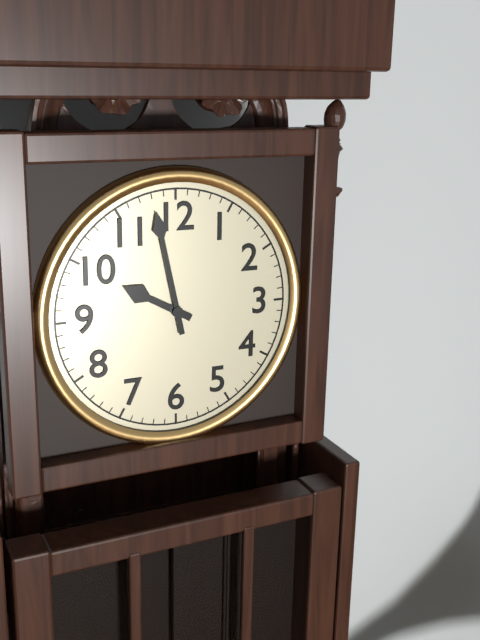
9h58
